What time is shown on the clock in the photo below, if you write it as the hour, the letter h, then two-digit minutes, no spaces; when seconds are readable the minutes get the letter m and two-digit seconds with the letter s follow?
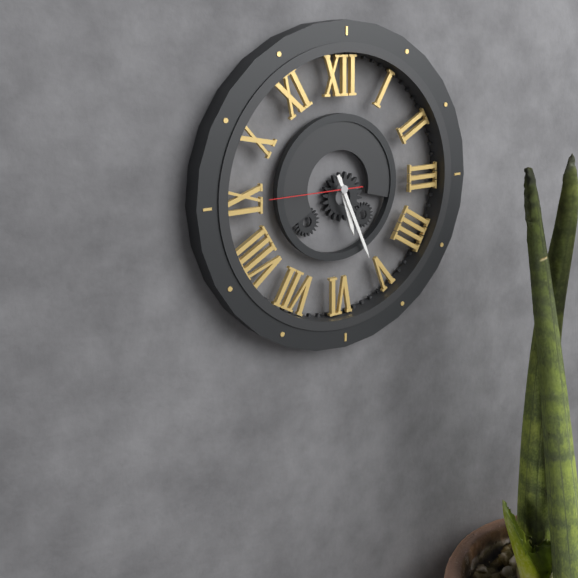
5h26m45s
